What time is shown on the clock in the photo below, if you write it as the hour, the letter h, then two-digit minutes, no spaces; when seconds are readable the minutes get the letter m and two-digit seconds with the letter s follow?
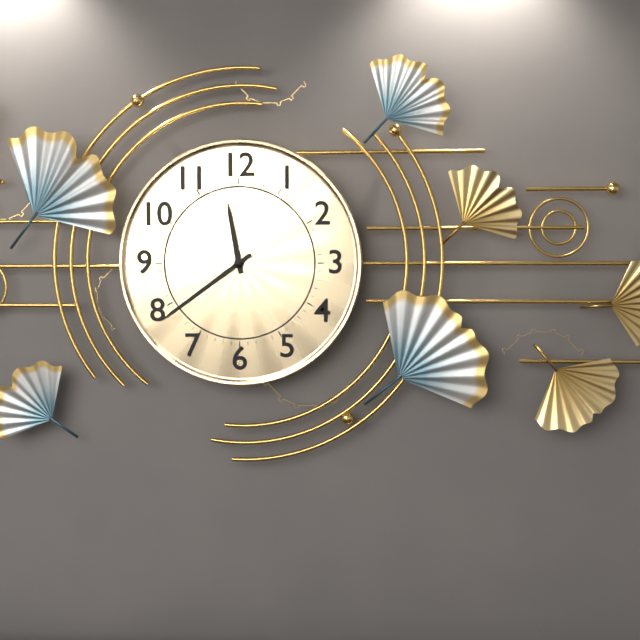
11h39
